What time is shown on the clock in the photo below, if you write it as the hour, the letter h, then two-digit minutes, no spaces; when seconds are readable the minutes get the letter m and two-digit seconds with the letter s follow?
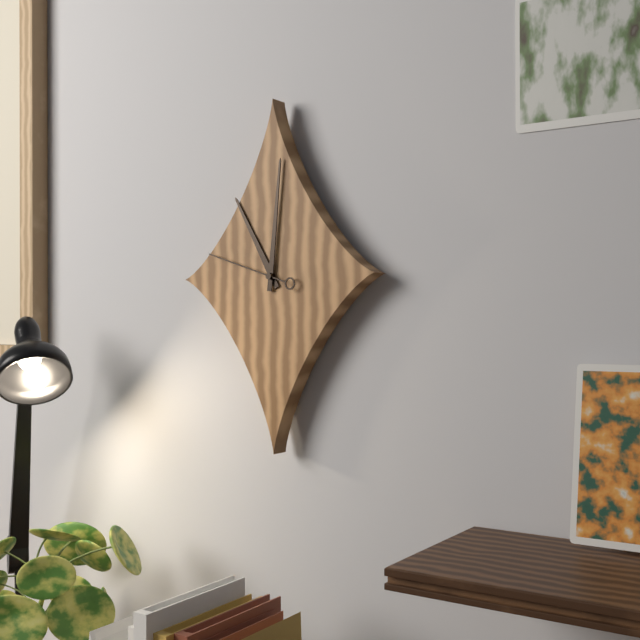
11h01m48s
